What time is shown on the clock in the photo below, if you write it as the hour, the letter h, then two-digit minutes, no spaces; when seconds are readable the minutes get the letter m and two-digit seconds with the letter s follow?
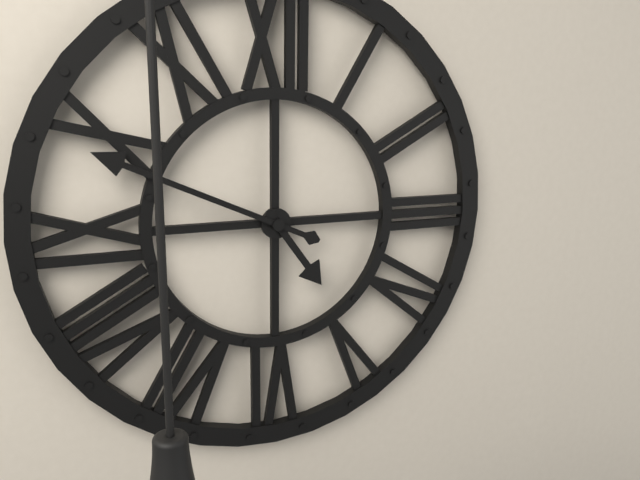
4h49
